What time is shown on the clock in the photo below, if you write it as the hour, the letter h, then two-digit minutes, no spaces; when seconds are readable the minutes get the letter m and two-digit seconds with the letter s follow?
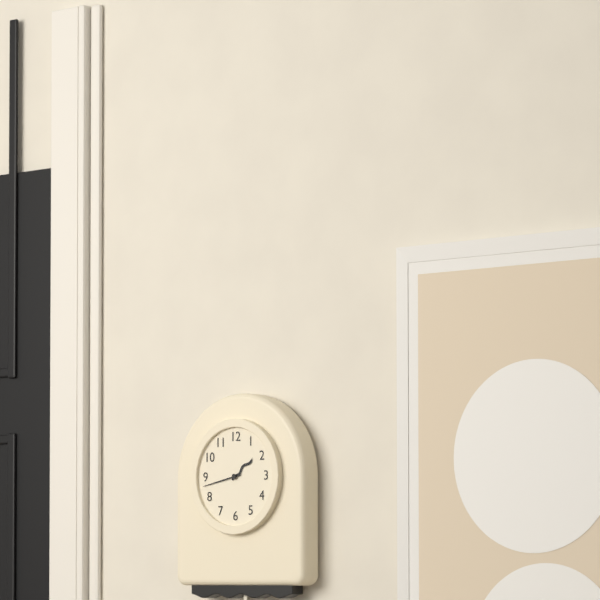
1h43
